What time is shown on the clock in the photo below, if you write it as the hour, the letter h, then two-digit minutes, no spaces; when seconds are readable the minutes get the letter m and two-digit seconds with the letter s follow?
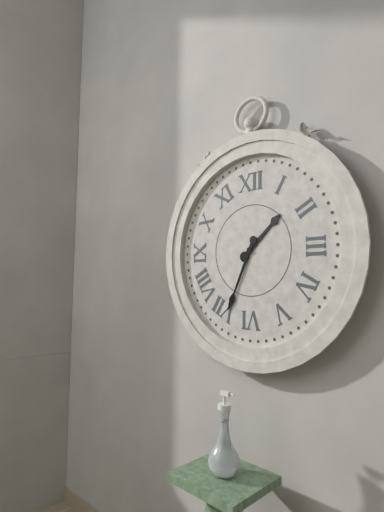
1h34
